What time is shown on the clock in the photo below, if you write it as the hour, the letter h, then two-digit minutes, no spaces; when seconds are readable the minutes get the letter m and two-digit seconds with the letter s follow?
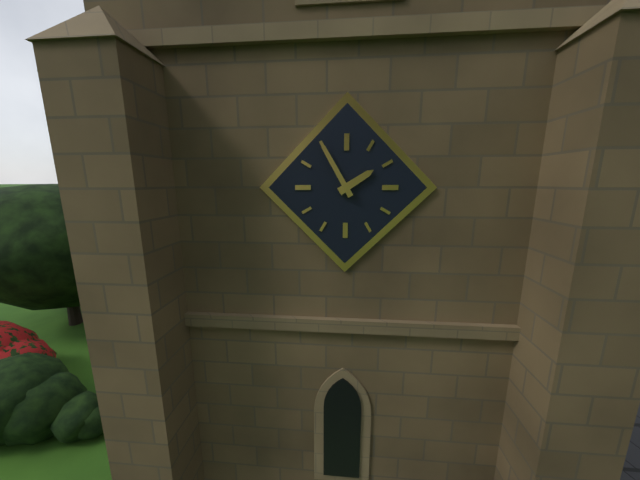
1h55
